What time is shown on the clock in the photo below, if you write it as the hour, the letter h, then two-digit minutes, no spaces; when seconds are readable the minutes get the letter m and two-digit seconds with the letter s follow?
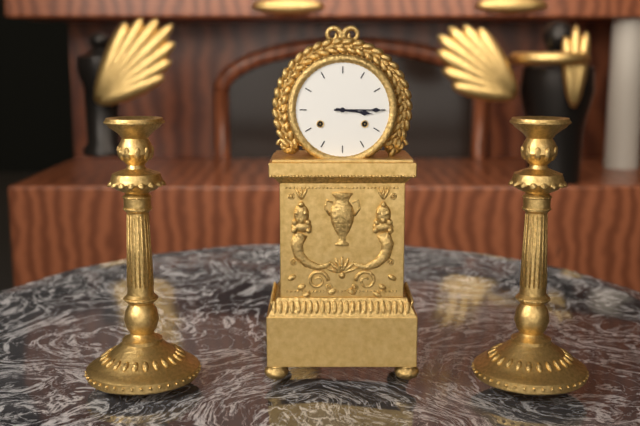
3h15
